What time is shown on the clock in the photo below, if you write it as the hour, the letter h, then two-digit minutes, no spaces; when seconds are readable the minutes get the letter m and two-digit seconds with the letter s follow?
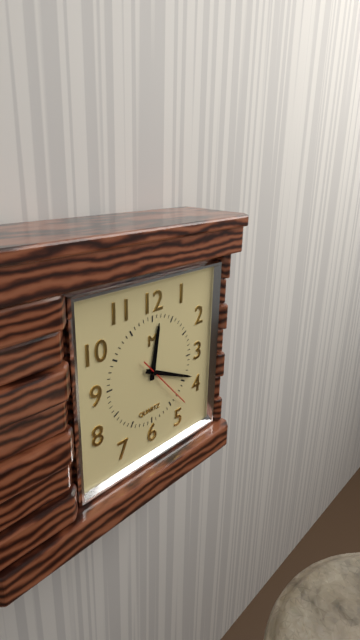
12h19m23s
